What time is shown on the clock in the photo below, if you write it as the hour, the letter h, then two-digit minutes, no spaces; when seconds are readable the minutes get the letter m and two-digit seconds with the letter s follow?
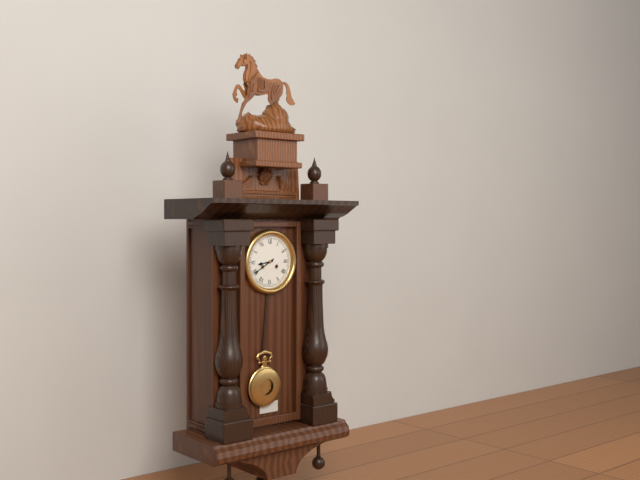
8h40
